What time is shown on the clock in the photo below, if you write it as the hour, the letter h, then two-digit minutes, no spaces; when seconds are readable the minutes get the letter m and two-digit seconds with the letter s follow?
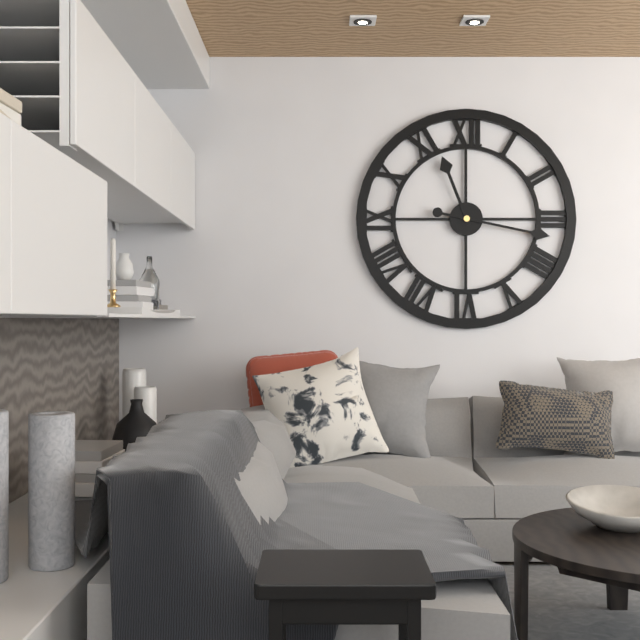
11h17
